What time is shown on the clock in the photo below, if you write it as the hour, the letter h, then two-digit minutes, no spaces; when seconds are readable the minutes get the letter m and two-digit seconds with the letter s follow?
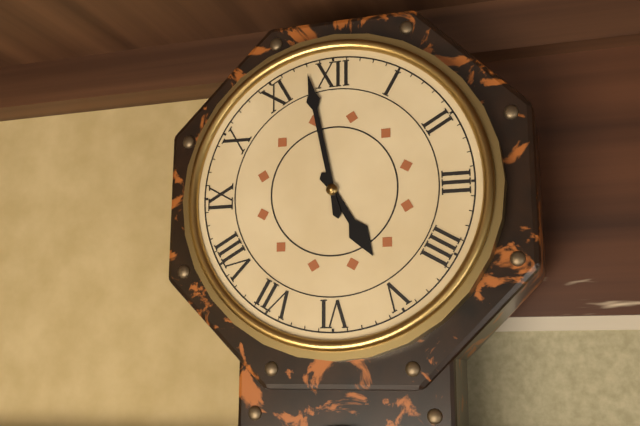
4h58
